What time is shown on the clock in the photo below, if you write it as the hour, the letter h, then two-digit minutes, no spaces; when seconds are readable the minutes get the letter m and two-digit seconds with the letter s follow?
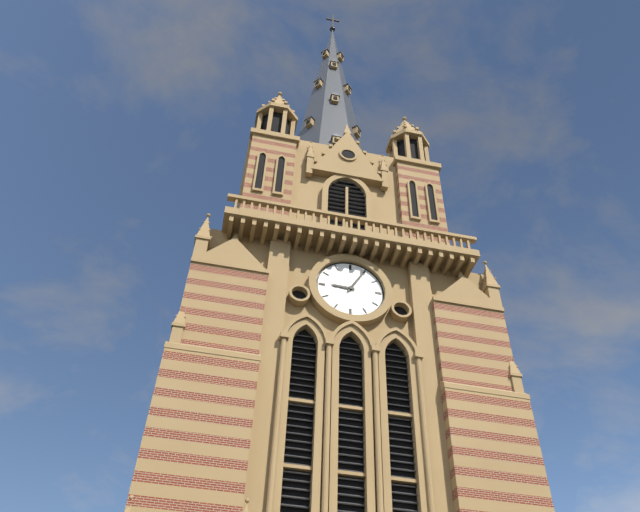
9h05
